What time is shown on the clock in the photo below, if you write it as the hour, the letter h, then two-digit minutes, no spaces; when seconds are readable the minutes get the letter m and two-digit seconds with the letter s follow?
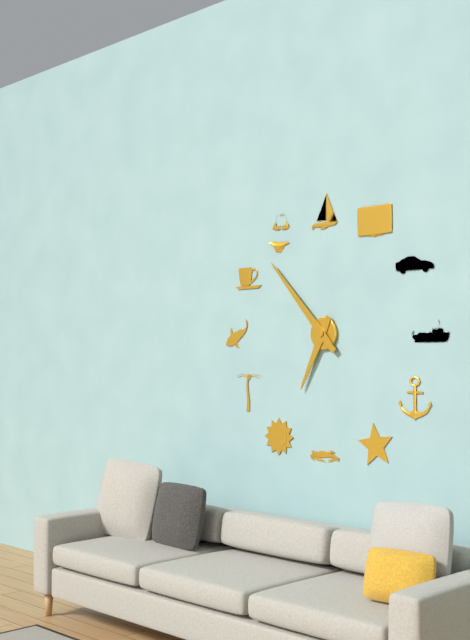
6h53
